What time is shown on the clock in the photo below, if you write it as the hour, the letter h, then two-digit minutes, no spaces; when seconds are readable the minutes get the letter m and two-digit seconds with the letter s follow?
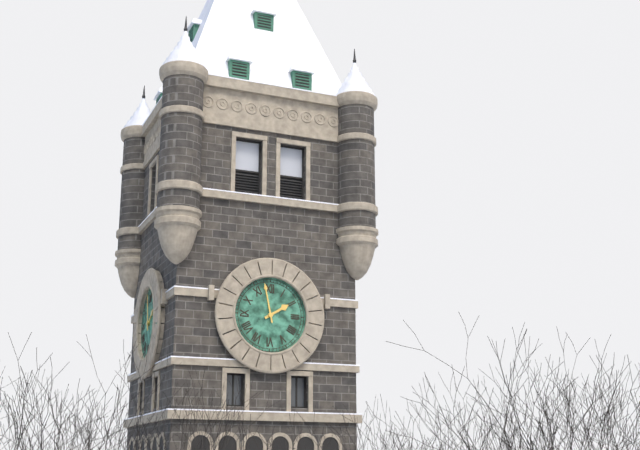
1h58
